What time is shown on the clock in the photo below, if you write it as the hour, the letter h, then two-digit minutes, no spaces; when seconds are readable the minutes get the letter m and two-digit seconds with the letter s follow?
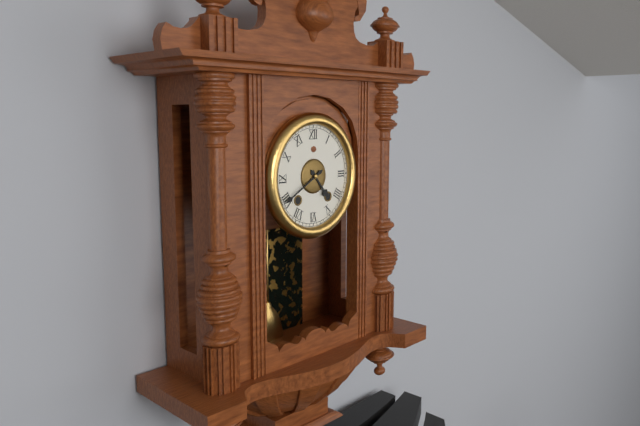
4h40
